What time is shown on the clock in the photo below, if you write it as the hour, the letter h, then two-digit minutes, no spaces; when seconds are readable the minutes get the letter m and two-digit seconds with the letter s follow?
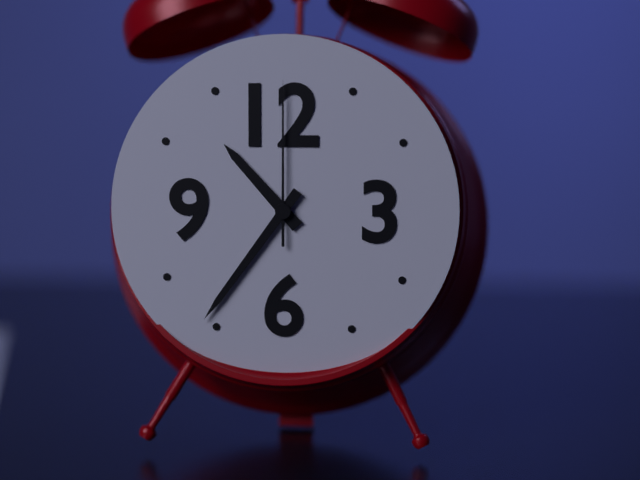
10h36m00s
